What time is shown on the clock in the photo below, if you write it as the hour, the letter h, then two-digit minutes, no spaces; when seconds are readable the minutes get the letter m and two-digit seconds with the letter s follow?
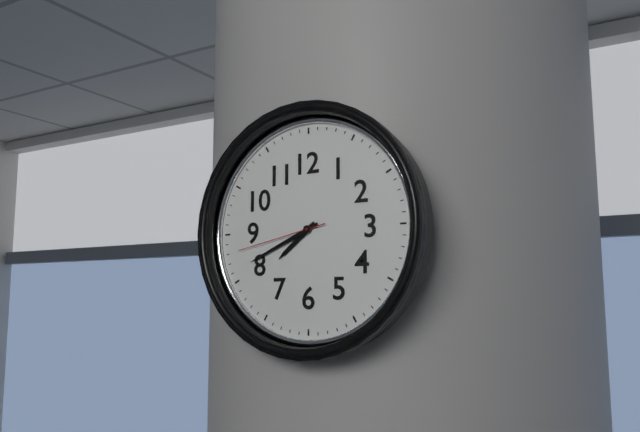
7h41m43s
